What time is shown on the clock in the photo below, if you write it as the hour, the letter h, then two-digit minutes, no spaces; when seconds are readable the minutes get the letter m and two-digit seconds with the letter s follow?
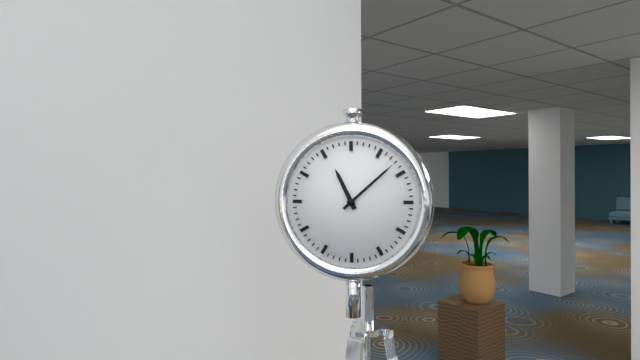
11h08
